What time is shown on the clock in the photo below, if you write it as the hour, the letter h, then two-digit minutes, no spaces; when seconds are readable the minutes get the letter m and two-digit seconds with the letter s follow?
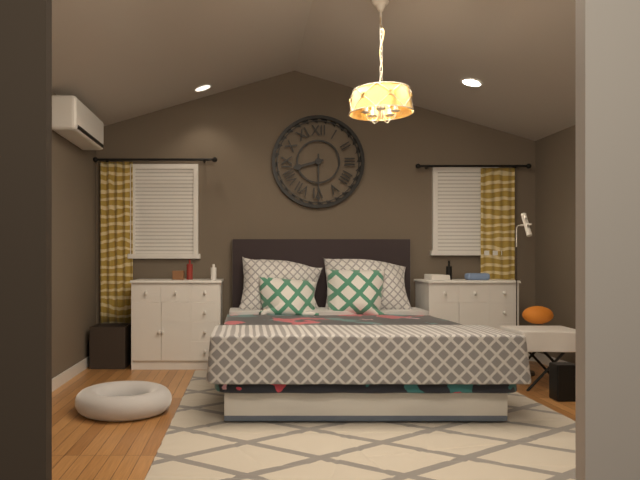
8h30
